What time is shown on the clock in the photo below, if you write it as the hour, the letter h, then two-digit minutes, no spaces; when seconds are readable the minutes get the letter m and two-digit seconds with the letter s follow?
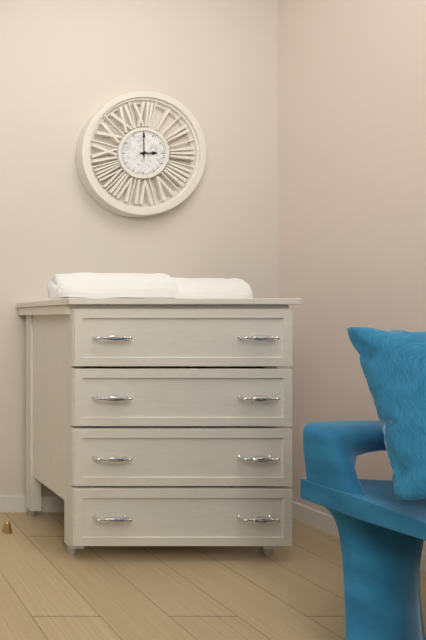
3h00
